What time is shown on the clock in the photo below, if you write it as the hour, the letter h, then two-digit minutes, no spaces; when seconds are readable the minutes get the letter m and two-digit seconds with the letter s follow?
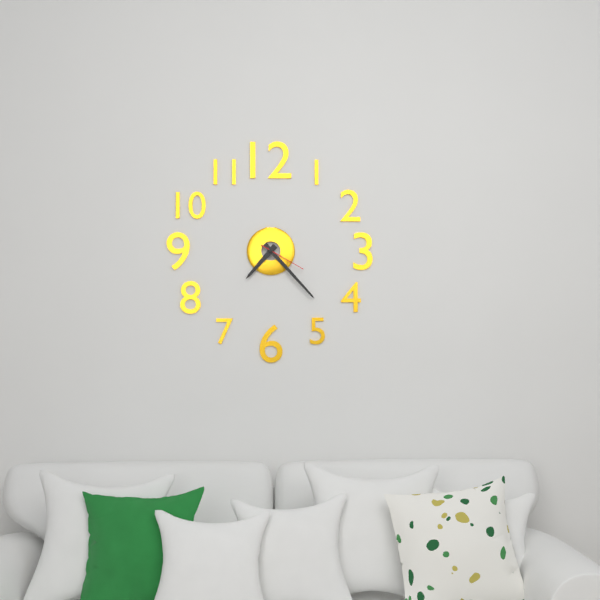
7h23
